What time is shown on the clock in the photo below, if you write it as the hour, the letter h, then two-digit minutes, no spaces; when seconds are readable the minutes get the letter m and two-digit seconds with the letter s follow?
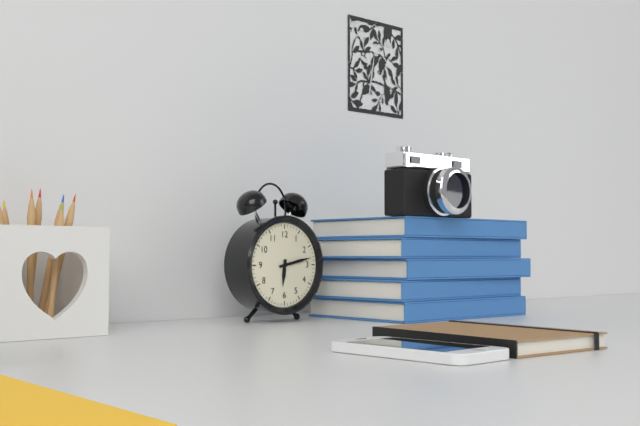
6h13
